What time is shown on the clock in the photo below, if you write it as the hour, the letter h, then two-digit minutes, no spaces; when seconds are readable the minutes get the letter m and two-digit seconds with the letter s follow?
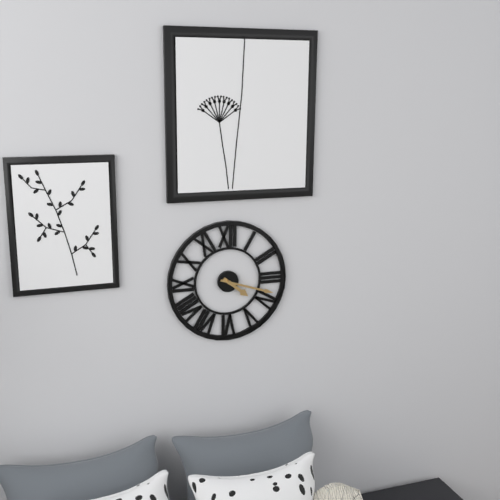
4h18
